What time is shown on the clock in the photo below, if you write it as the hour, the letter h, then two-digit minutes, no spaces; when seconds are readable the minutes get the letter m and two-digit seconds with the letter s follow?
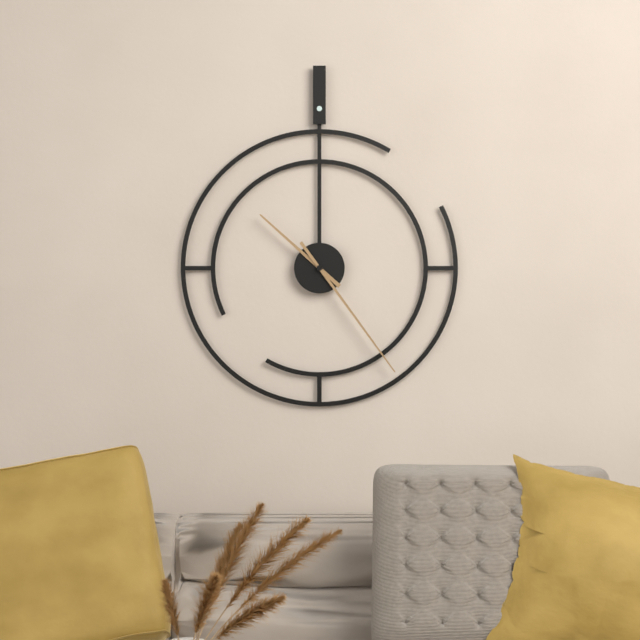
10h24
